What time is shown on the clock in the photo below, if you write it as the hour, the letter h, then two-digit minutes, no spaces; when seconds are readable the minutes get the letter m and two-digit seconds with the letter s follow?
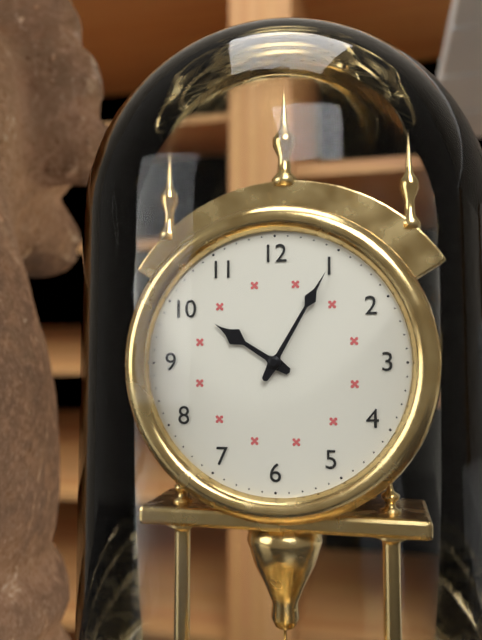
10h05
